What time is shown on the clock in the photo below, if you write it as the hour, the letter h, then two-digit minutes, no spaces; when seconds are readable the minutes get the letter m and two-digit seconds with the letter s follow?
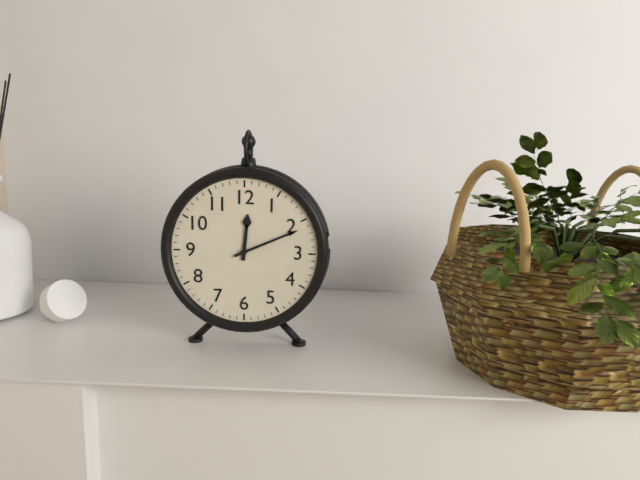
12h11
